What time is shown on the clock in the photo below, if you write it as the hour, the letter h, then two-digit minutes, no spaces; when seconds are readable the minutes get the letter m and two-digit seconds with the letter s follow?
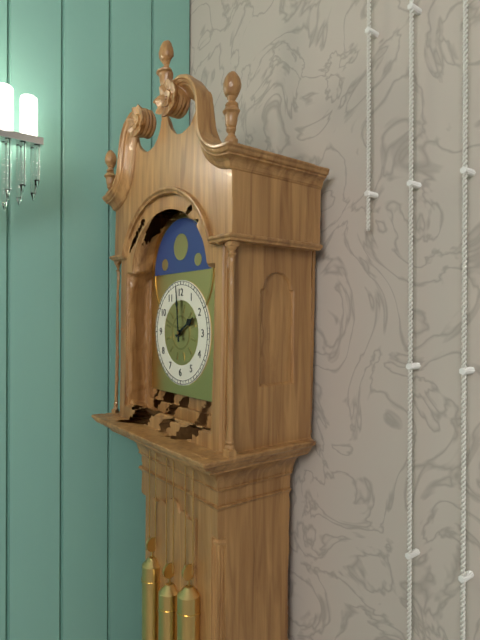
1h59
